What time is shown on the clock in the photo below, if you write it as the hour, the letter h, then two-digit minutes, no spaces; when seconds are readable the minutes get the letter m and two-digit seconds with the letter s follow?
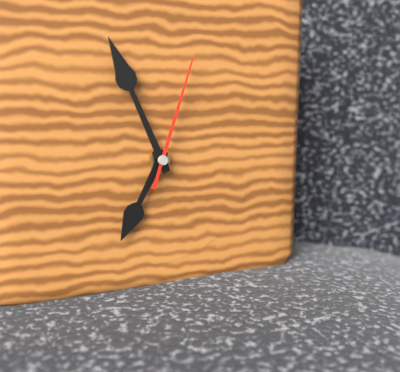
6h56m03s
